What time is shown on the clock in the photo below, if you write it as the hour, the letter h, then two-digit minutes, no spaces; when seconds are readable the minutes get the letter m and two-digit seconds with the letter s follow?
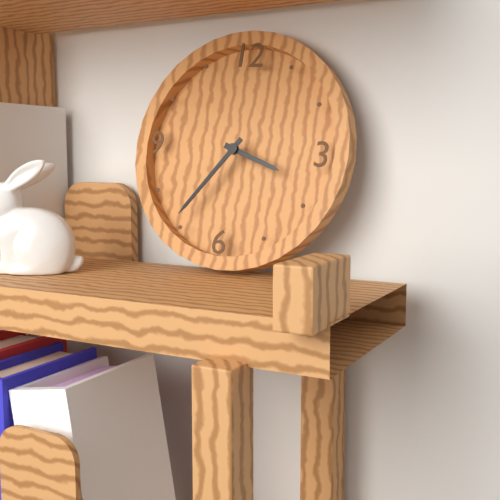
3h36
